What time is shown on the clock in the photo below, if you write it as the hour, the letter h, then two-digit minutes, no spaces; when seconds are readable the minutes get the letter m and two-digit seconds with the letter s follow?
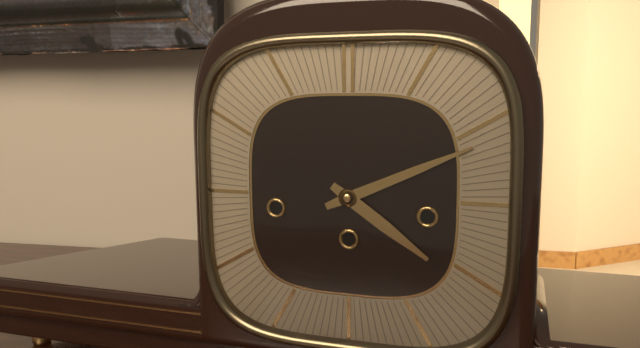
4h11
